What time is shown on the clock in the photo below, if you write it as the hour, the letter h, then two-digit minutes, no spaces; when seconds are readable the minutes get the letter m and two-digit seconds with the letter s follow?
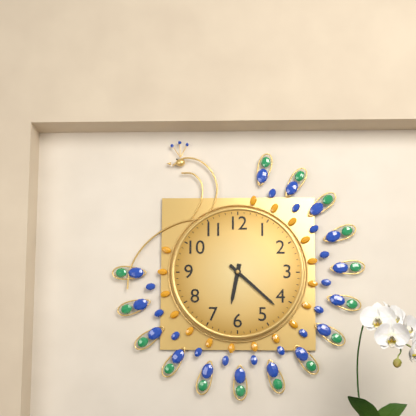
6h22
